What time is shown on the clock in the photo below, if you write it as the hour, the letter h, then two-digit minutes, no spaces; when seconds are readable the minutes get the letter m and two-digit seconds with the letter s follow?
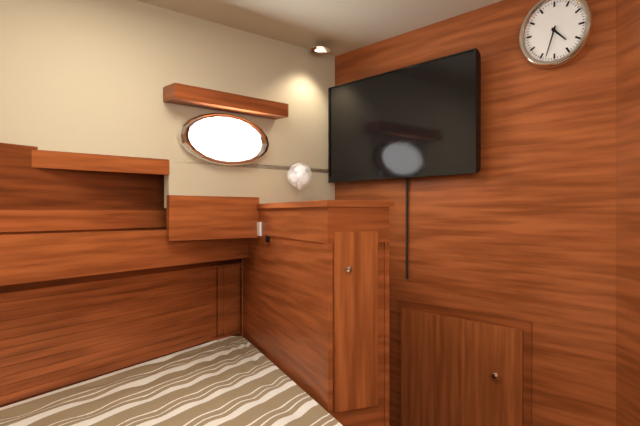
4h33
